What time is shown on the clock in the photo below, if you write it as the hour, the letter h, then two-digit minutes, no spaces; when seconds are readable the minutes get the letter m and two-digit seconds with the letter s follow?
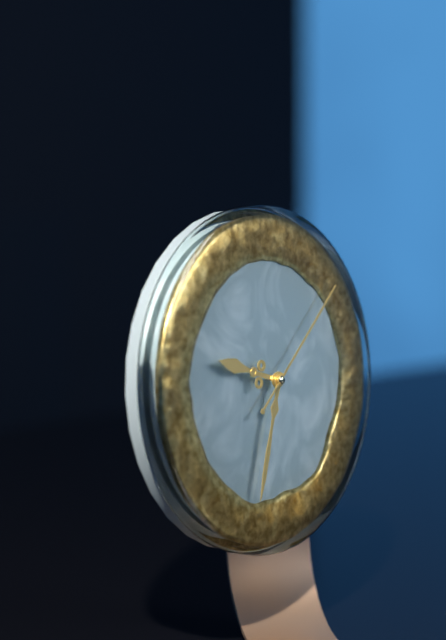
9h33m08s
